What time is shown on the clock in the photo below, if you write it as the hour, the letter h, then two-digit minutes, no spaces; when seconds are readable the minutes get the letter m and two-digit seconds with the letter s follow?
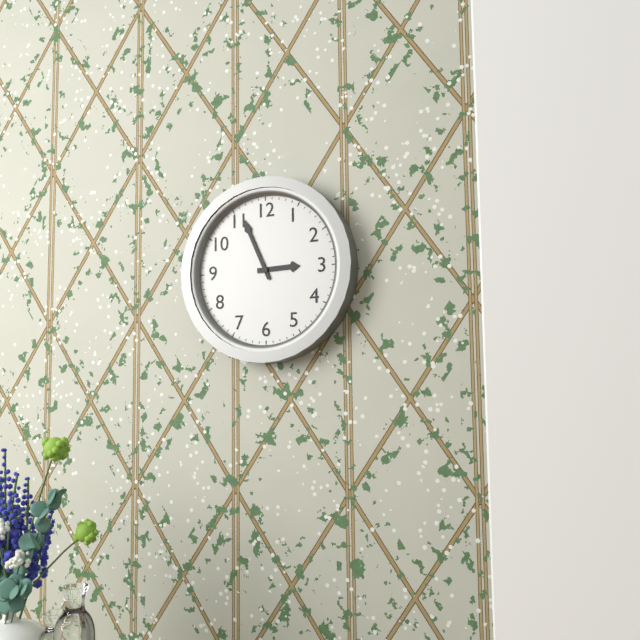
2h56
